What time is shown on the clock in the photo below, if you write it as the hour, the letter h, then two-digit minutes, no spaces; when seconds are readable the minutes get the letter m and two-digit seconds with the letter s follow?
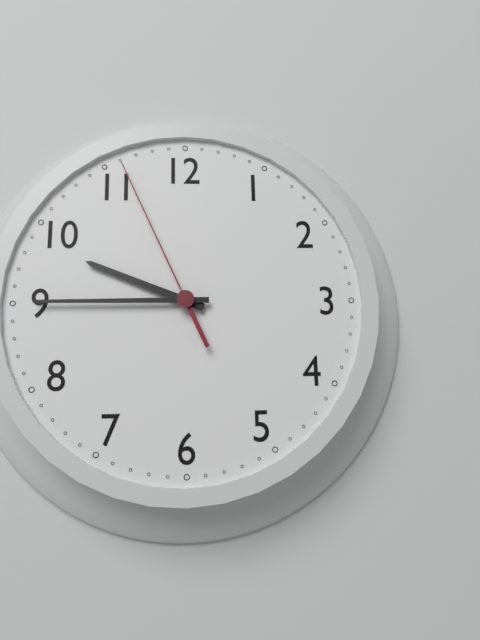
9h45m56s
